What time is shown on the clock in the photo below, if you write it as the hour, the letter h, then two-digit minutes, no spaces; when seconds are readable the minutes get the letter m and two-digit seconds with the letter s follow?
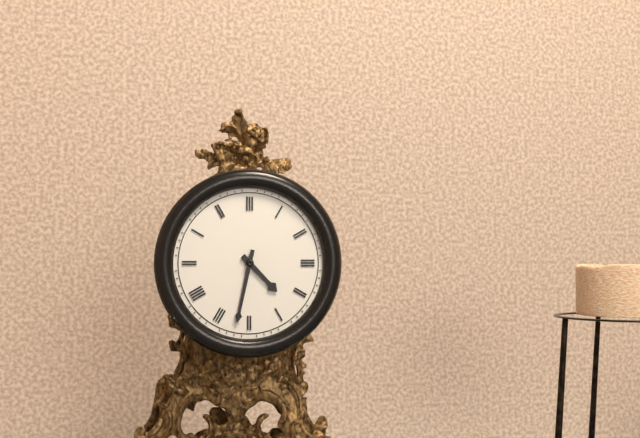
4h32
